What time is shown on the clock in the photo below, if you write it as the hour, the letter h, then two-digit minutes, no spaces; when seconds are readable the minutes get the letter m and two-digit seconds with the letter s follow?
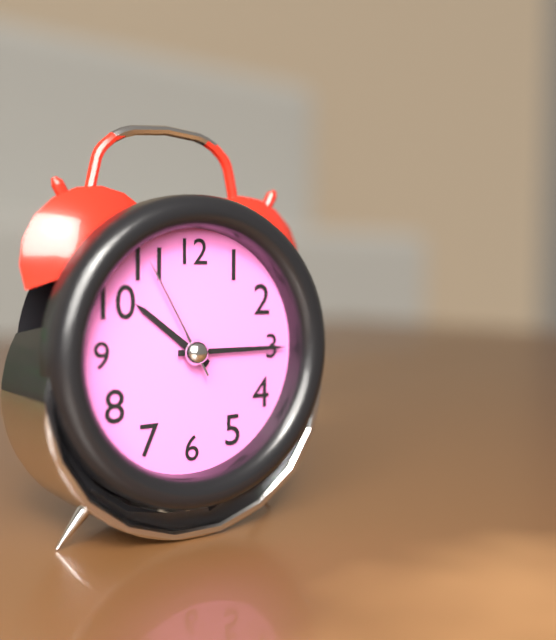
10h15m55s
